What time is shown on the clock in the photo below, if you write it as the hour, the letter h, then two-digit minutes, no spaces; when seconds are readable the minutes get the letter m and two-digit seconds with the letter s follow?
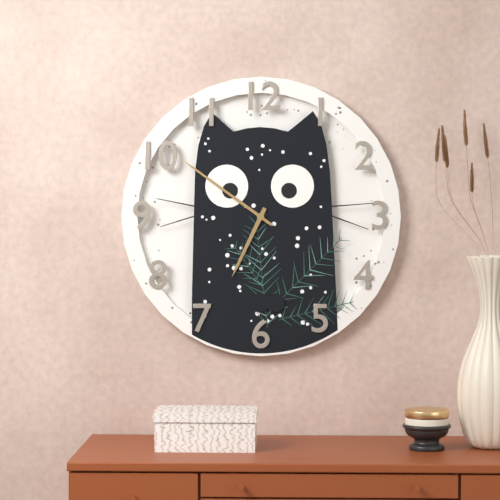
6h51
